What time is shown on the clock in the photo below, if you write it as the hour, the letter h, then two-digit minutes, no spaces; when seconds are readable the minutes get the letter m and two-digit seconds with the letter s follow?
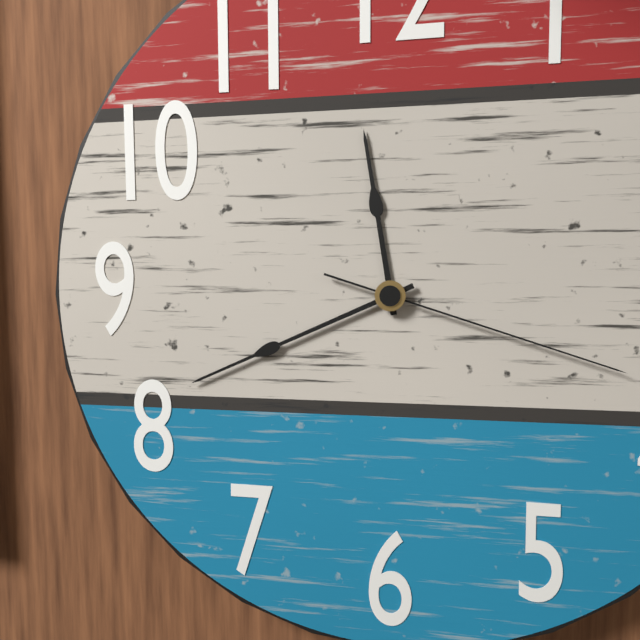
11h41m18s
